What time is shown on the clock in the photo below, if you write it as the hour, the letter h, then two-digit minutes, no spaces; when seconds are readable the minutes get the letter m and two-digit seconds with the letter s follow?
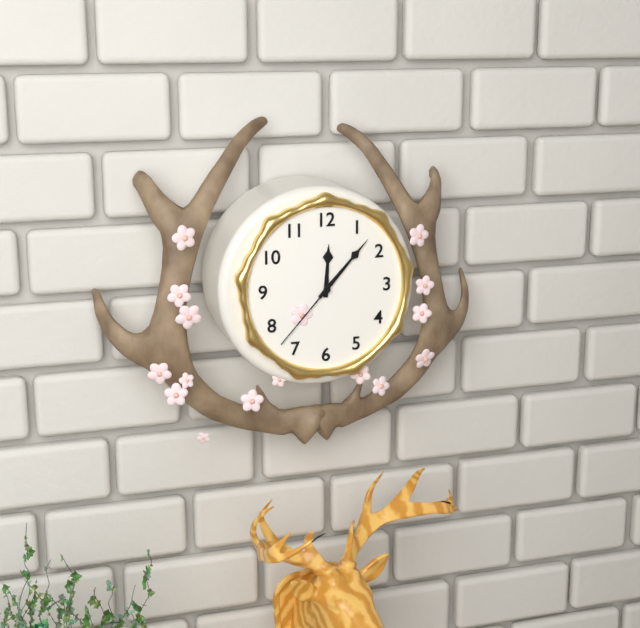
12h07m37s
